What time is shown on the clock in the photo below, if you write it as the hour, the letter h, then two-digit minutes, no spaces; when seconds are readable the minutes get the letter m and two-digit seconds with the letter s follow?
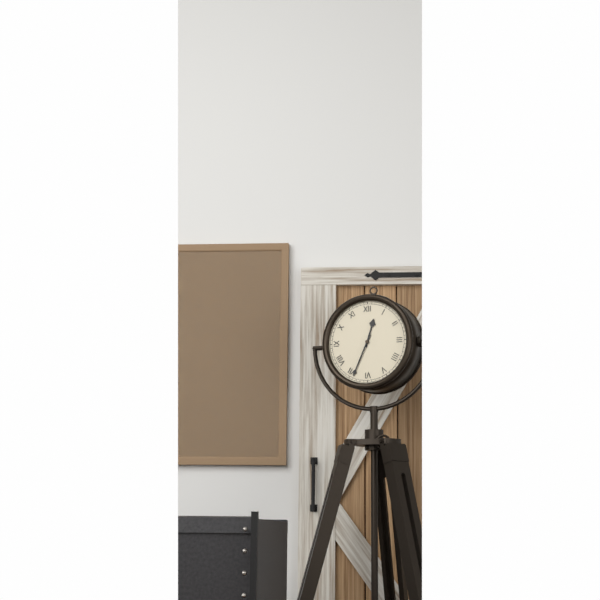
12h34
